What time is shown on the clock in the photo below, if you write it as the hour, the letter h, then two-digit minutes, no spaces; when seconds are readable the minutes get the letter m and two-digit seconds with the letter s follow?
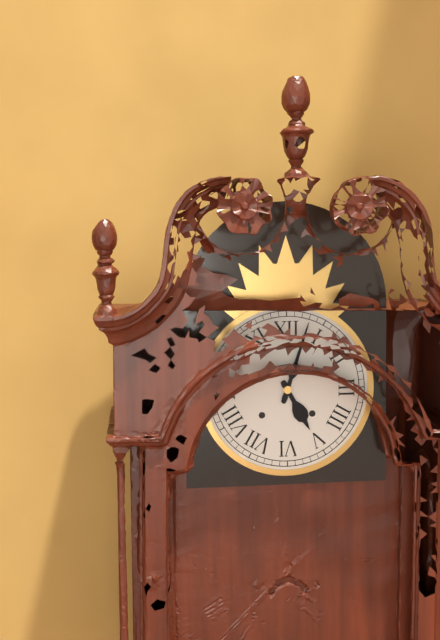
5h03
